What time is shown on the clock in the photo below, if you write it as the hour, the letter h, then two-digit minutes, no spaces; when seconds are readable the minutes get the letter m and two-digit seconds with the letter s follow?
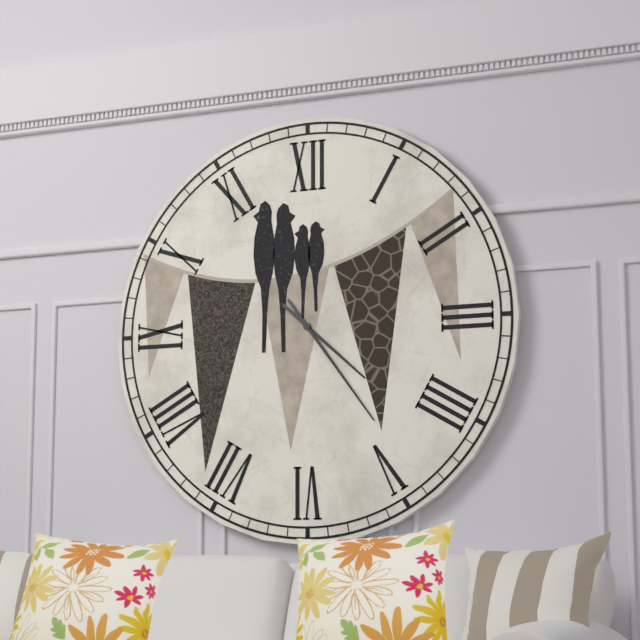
4h24
